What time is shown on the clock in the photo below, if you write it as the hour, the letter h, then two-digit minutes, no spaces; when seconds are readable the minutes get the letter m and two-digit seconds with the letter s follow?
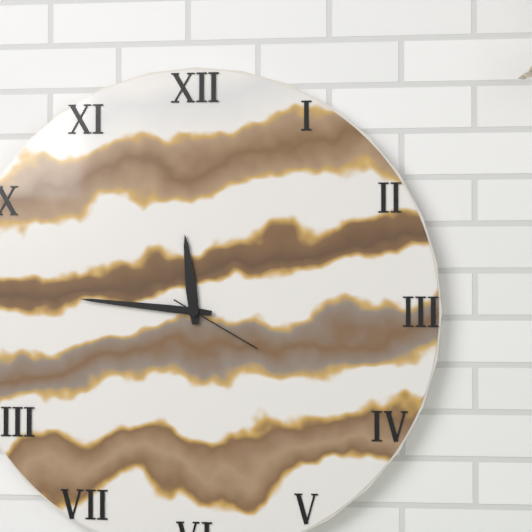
11h46m20s
